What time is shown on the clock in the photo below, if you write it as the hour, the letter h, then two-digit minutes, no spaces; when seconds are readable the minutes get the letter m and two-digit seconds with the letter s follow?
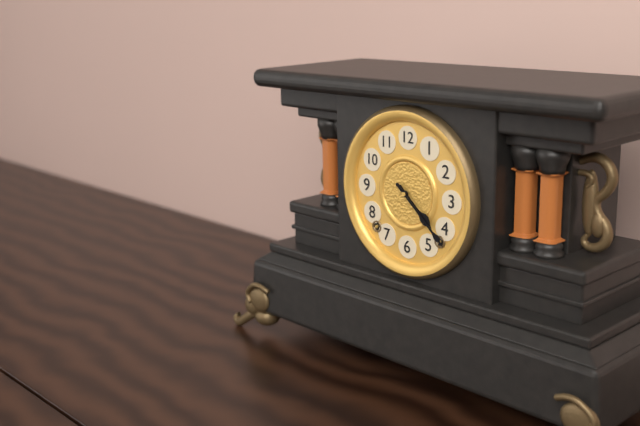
4h22
